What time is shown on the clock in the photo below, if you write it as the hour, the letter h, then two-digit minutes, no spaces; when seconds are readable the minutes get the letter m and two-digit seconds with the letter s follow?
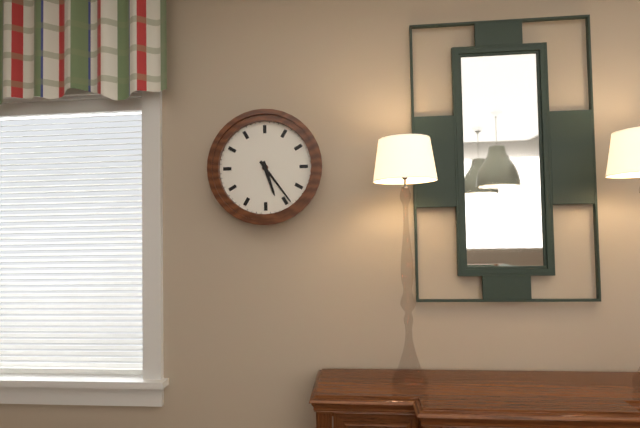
5h24
